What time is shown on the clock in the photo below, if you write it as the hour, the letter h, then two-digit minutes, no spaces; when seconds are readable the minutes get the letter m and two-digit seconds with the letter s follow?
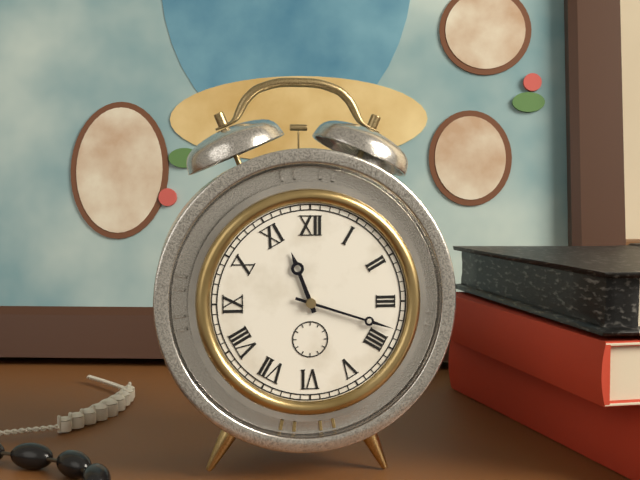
11h18
